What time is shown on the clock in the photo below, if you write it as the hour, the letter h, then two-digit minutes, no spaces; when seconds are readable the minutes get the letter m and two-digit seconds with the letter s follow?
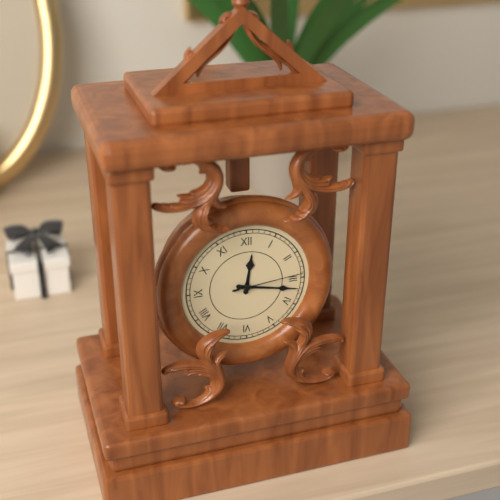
12h17m14s
